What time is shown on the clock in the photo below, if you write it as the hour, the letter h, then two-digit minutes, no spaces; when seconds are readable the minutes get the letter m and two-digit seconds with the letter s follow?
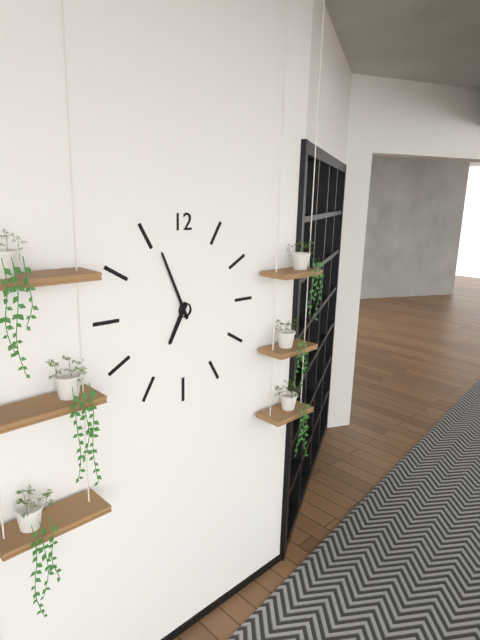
6h56
